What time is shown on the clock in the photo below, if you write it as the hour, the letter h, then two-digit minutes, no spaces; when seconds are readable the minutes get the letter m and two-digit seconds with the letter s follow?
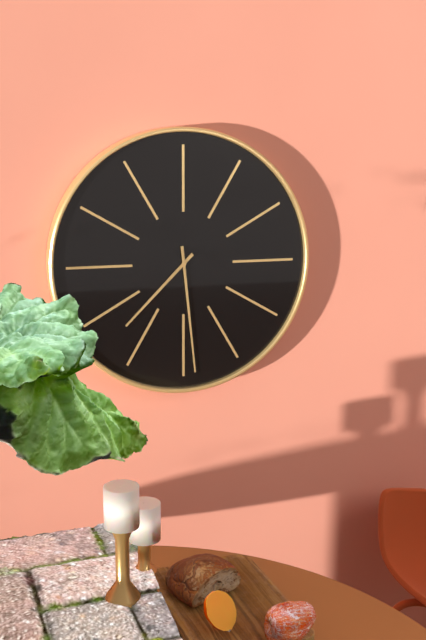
7h29
